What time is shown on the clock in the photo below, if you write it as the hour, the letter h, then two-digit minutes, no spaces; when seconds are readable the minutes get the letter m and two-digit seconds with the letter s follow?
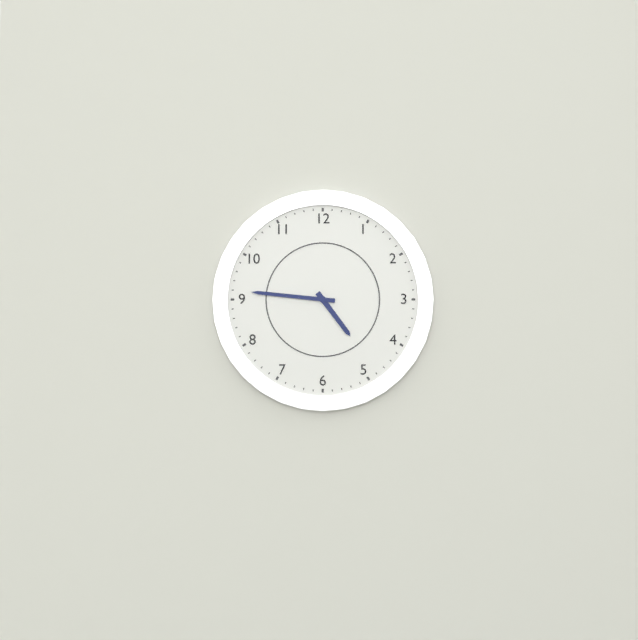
4h46
